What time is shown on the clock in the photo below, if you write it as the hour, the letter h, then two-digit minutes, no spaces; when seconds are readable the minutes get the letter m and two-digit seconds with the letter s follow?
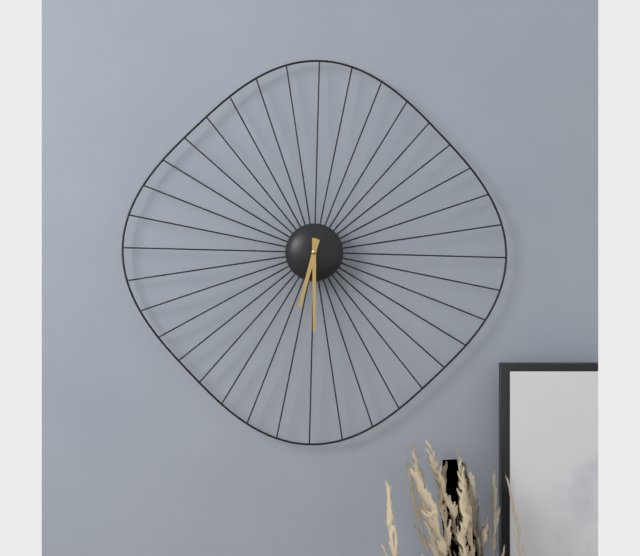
6h30
